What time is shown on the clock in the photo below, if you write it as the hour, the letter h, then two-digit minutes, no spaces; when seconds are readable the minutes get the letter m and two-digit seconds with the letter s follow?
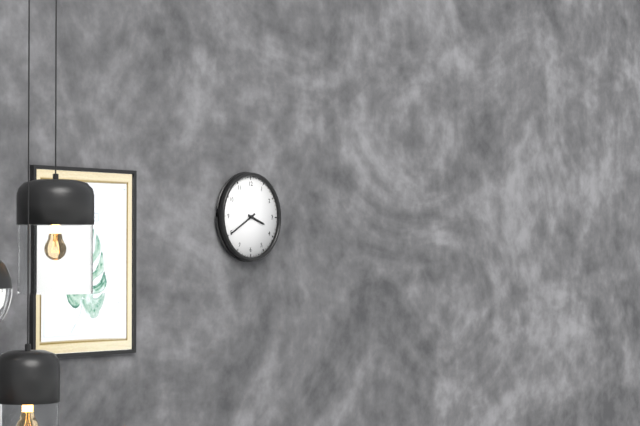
3h40
